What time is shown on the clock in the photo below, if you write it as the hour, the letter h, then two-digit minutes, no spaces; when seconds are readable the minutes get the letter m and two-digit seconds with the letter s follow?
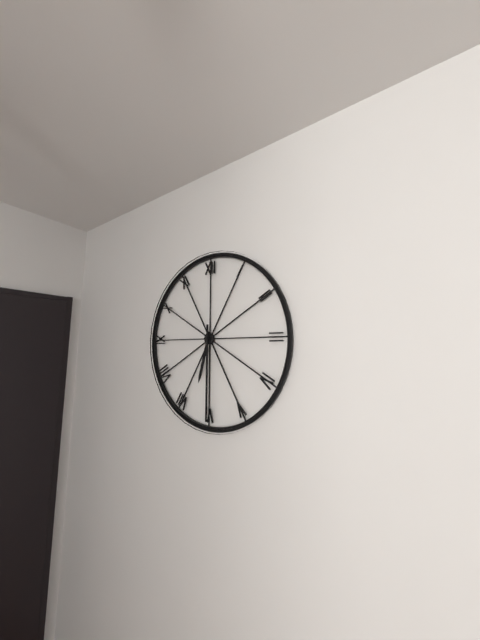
6h30
